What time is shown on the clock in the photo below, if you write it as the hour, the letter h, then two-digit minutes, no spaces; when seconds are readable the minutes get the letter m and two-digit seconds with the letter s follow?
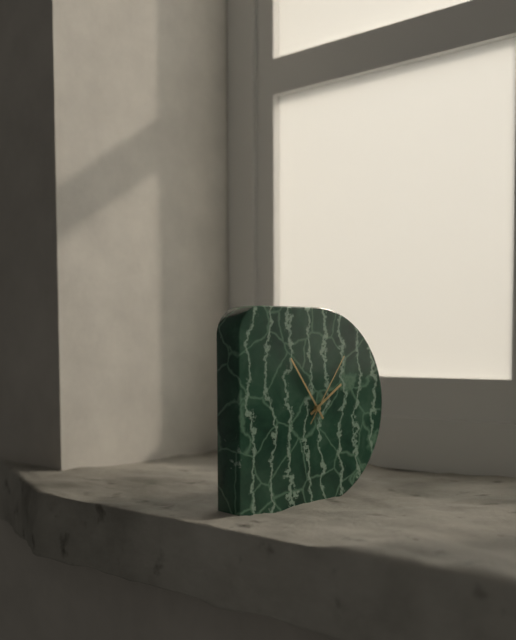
1h54m06s
